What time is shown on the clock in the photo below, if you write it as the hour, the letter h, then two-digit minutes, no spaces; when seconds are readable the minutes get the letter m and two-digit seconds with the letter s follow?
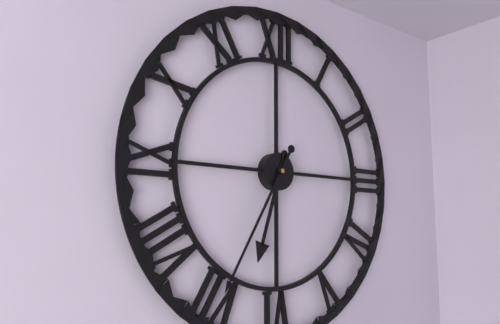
6h35
